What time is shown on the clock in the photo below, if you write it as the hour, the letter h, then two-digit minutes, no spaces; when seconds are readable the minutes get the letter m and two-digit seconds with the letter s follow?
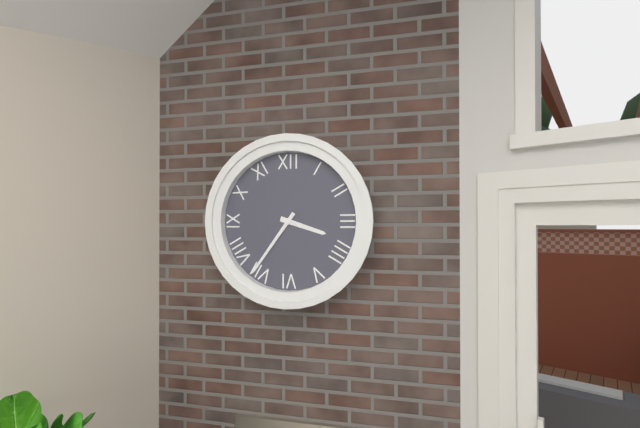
3h36
